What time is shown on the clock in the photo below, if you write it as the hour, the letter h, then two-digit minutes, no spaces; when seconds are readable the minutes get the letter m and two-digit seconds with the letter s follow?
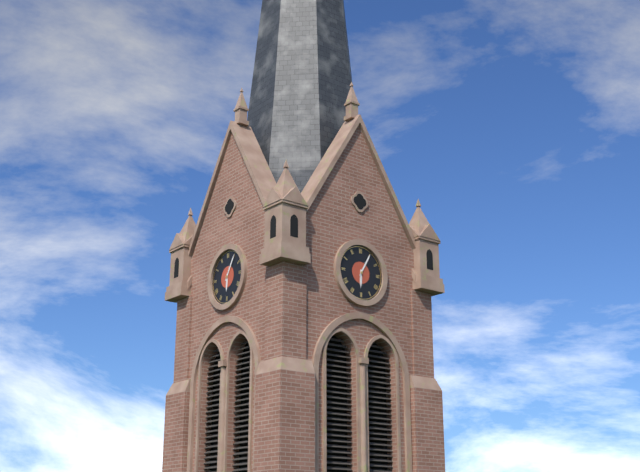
6h05
